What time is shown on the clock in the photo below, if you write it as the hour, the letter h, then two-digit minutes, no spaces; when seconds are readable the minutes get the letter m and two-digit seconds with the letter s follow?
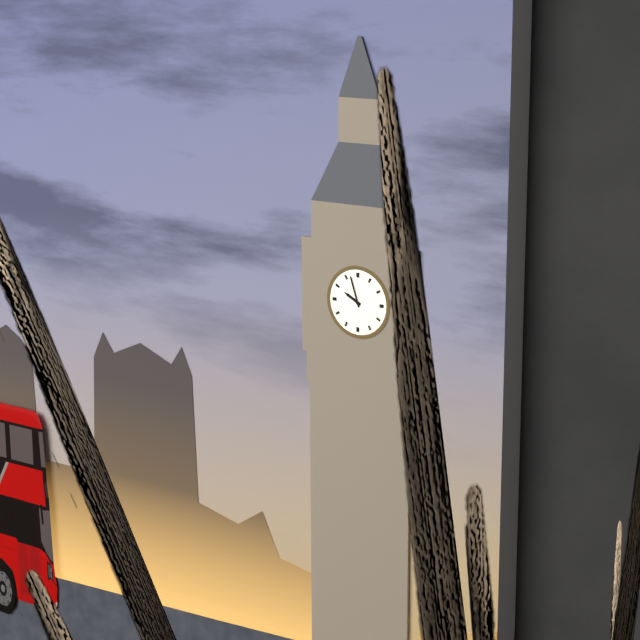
9h57
